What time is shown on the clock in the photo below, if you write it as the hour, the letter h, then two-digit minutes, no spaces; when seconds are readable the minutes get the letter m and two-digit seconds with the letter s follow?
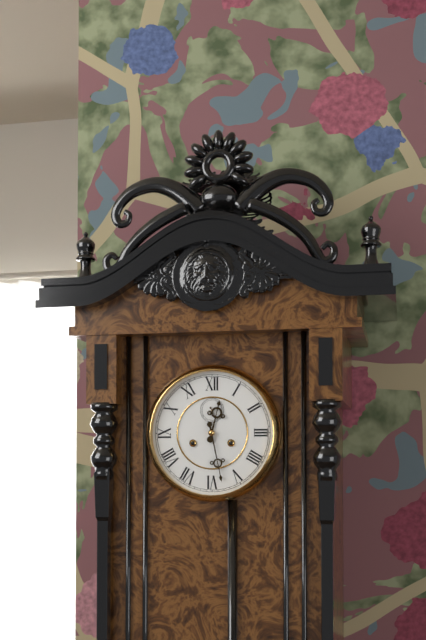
12h28
